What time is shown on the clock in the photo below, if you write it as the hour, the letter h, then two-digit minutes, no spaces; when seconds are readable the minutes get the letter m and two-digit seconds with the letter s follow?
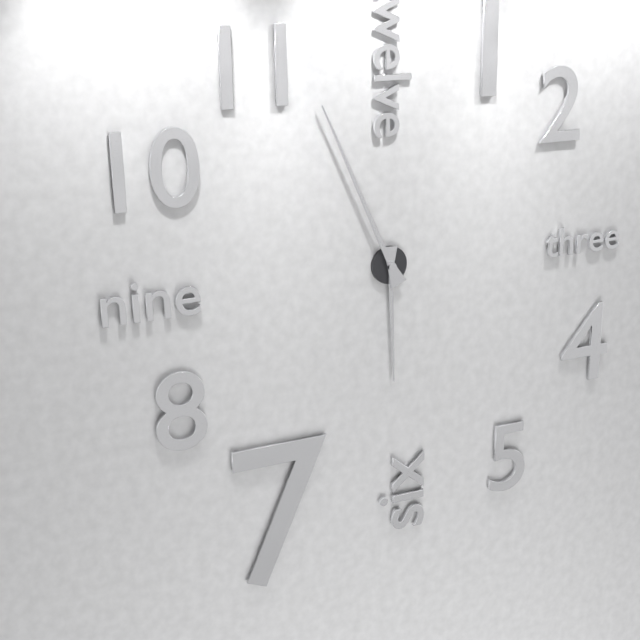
5h56
